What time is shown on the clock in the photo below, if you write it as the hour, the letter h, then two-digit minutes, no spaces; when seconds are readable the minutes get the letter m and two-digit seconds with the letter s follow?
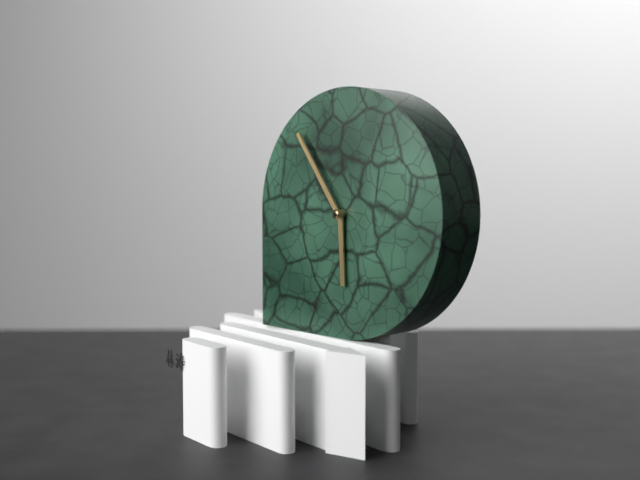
5h54
